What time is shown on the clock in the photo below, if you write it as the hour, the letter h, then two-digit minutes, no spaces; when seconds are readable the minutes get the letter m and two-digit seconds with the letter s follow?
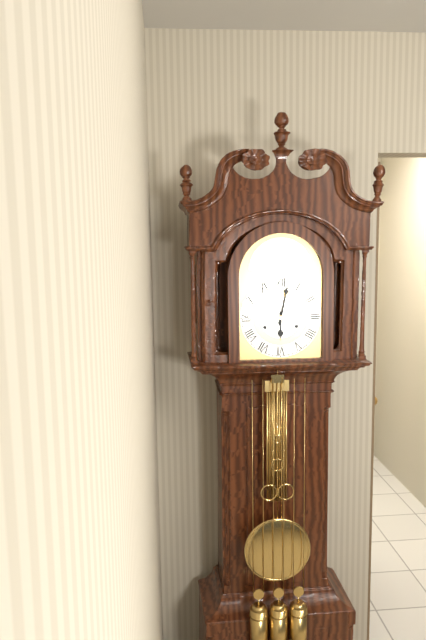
6h02
